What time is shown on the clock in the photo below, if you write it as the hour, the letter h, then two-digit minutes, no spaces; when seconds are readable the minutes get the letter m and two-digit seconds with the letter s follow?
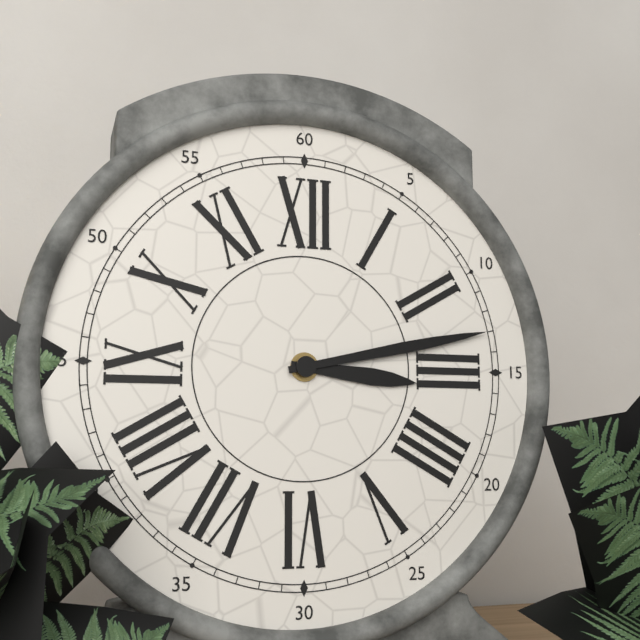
3h13
